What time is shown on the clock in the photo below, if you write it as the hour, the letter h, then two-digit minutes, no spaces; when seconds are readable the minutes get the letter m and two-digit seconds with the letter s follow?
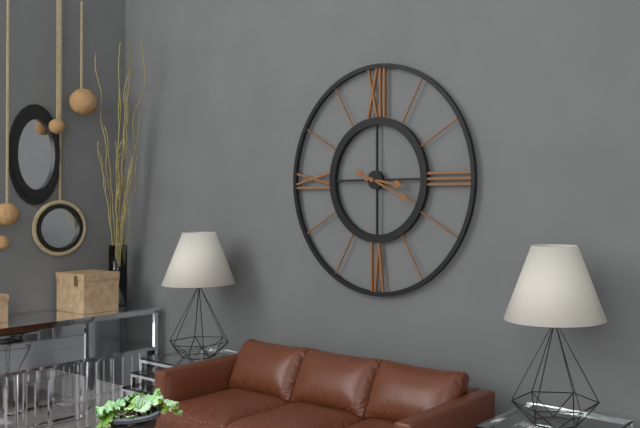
3h19
